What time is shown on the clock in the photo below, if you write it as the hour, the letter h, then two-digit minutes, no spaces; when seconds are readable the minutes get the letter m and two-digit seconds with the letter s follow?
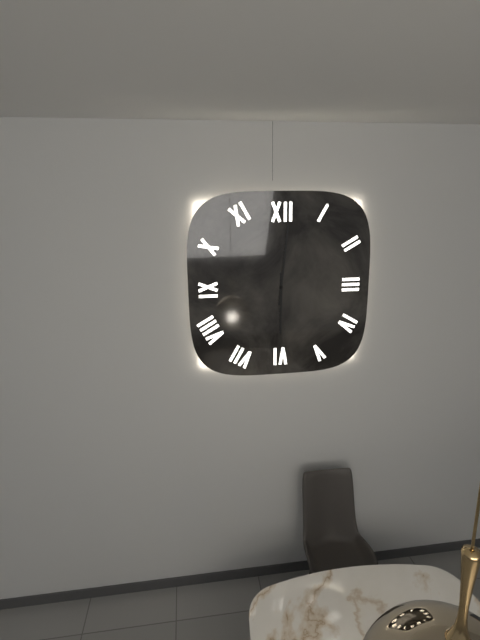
6h01
